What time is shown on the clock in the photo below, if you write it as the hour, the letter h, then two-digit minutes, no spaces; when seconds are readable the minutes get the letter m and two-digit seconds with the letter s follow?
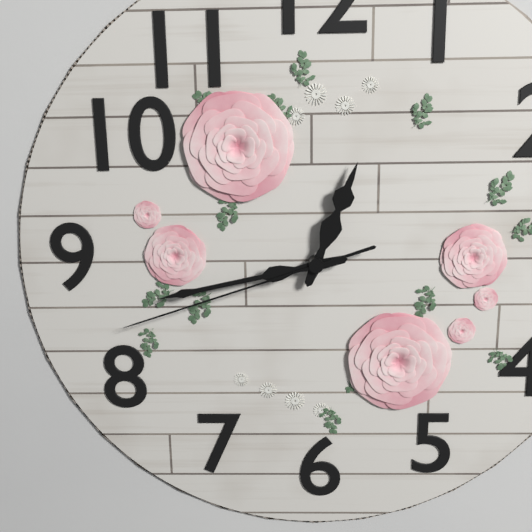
12h43m42s
